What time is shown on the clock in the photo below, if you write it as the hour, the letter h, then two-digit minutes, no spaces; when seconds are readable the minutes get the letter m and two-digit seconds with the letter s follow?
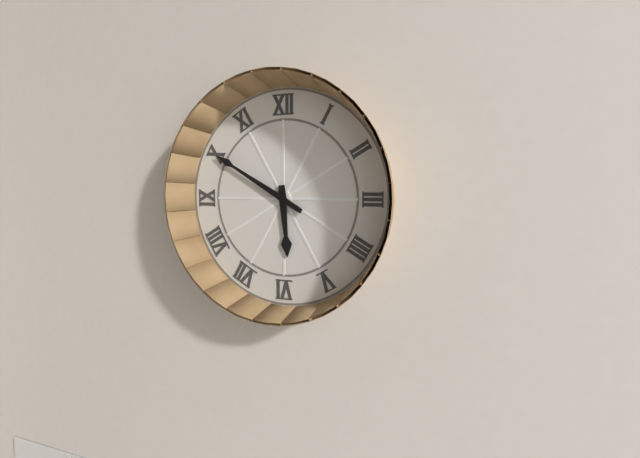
5h50
